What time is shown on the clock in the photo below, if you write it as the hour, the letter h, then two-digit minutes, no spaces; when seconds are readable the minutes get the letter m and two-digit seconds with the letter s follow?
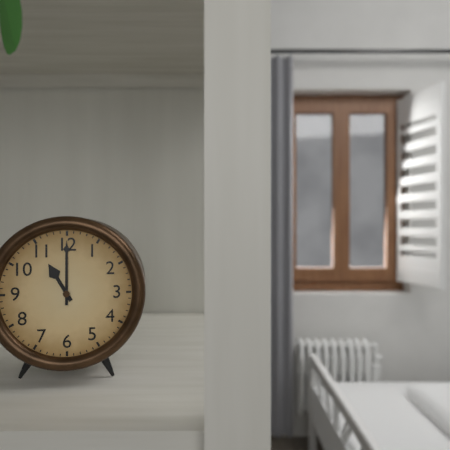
11h00
